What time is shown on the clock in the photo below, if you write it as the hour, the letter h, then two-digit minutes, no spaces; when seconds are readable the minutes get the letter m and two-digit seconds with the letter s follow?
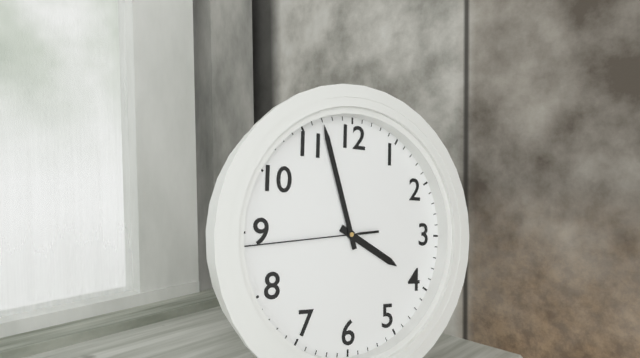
3h57m44s
